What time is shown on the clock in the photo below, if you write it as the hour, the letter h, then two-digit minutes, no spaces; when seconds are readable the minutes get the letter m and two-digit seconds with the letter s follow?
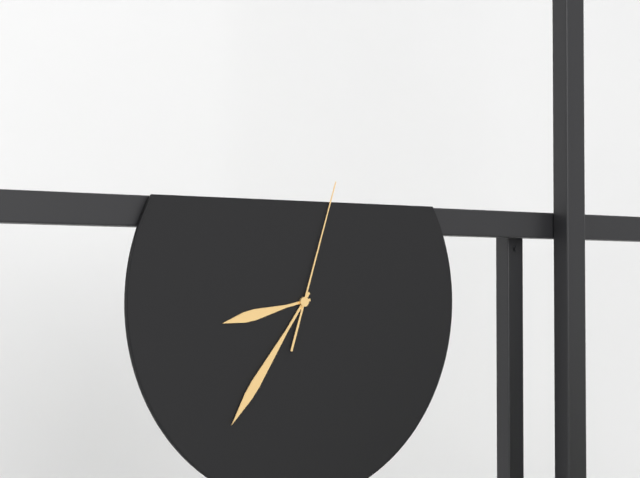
8h36m03s
